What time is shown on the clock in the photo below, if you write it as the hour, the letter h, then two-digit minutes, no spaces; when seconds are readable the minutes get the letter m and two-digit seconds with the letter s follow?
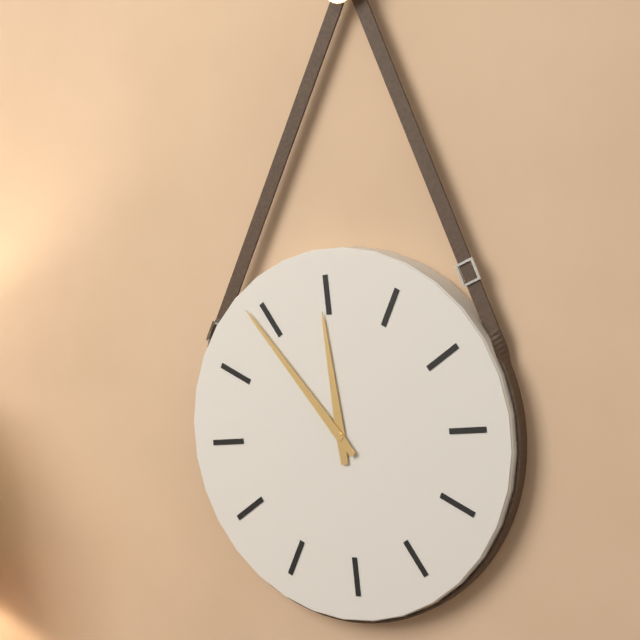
11h54
